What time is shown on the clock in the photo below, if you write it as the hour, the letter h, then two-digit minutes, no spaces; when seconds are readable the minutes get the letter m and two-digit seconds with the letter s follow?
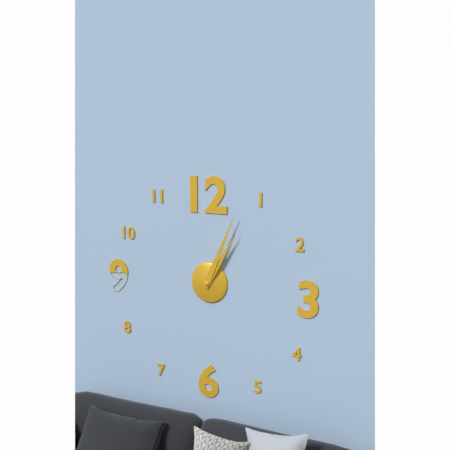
1h04
